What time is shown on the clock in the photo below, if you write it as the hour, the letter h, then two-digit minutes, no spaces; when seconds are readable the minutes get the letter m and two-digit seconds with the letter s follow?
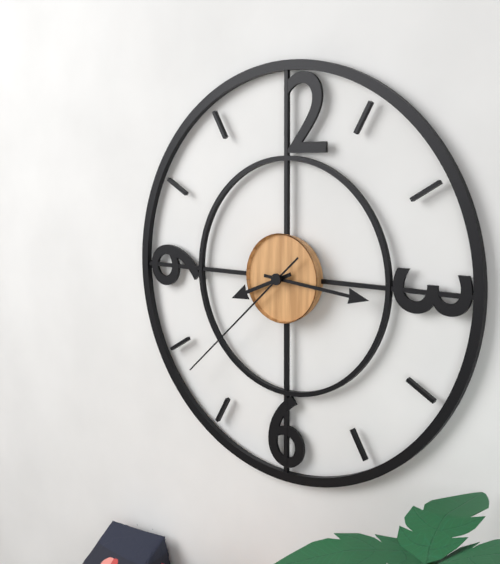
8h16m38s
